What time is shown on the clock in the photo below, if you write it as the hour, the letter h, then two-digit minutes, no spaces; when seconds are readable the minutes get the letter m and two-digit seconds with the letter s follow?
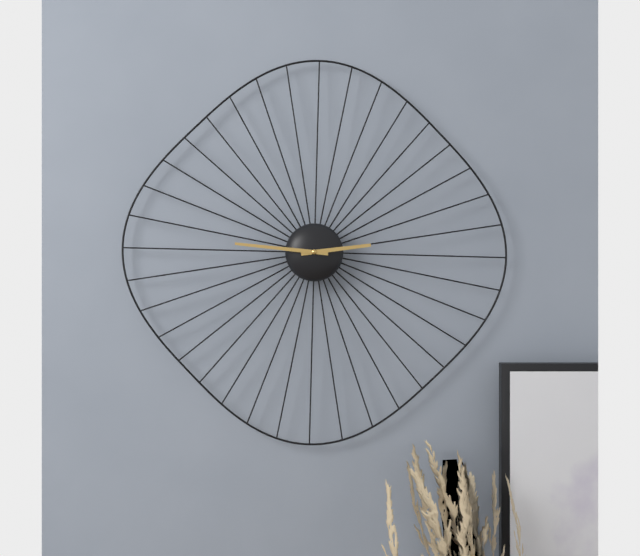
2h46
